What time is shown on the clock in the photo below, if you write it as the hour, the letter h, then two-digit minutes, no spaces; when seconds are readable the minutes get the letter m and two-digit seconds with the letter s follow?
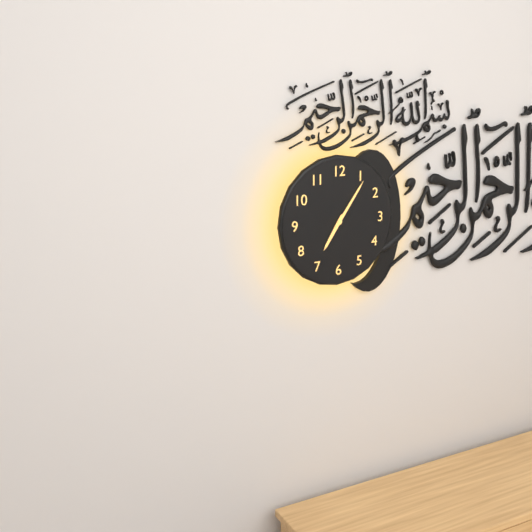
7h06
